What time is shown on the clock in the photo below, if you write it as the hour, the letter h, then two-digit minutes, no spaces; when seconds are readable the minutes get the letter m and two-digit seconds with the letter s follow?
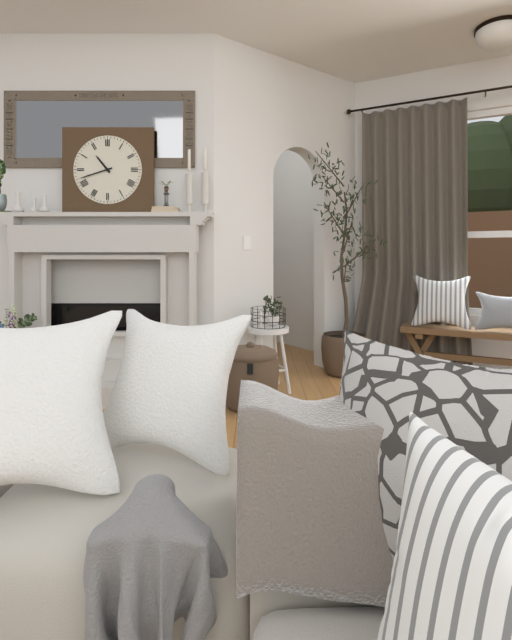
10h42
